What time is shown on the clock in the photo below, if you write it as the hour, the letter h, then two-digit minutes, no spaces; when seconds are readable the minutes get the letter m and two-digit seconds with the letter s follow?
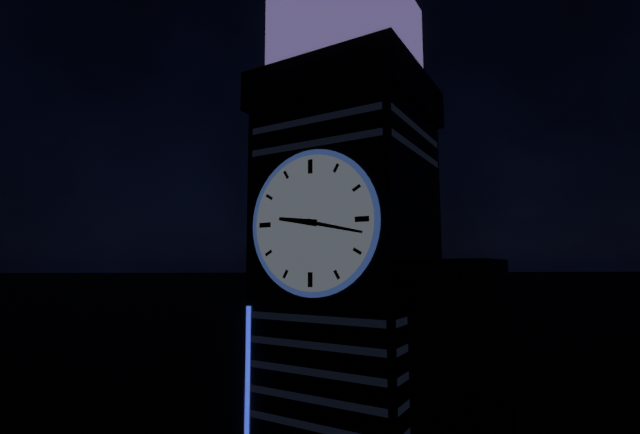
9h17
